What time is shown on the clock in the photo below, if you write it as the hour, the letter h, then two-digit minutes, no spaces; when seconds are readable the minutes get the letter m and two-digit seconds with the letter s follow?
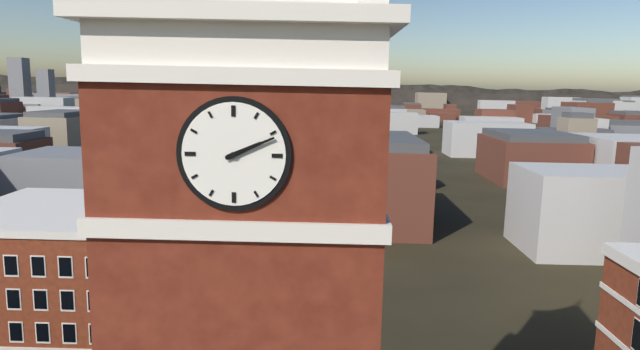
2h11
